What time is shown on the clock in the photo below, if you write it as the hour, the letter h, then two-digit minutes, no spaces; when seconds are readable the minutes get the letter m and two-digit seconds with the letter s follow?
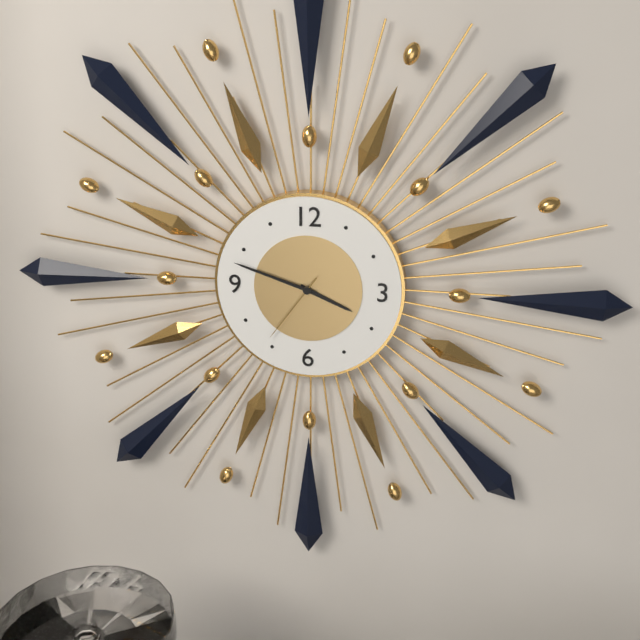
3h48m36s
